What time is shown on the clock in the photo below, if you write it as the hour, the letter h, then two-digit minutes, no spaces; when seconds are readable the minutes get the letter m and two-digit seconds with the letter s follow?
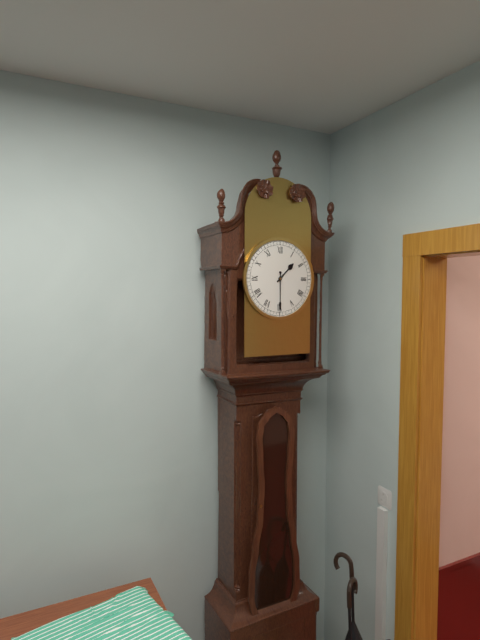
1h30
